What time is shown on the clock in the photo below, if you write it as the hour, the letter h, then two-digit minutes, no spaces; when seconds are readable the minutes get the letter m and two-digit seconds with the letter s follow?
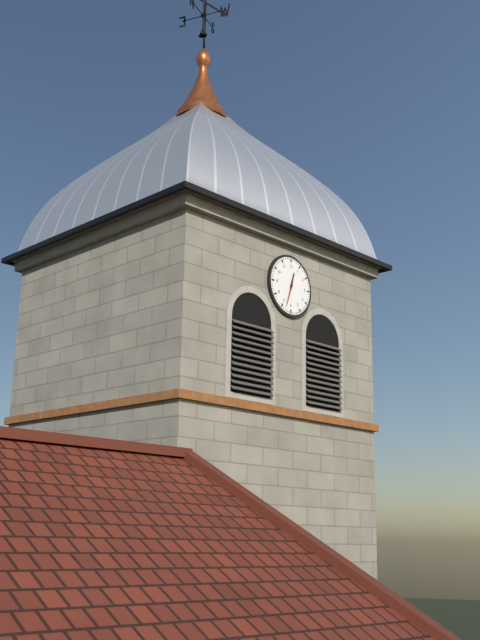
12h33
